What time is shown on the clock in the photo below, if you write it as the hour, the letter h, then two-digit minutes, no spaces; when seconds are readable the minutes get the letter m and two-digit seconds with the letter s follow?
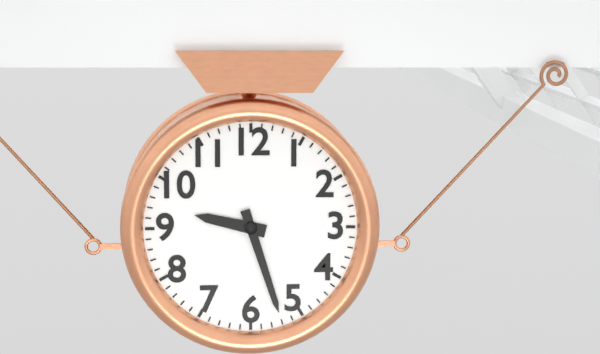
9h27
